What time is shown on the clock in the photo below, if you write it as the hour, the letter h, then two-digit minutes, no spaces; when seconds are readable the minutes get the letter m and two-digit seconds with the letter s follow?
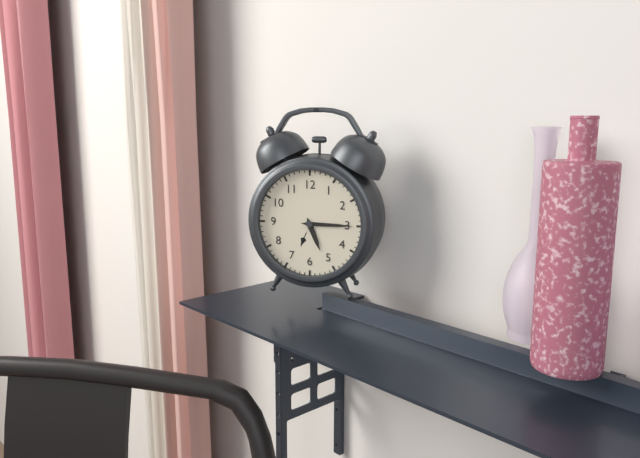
5h15
